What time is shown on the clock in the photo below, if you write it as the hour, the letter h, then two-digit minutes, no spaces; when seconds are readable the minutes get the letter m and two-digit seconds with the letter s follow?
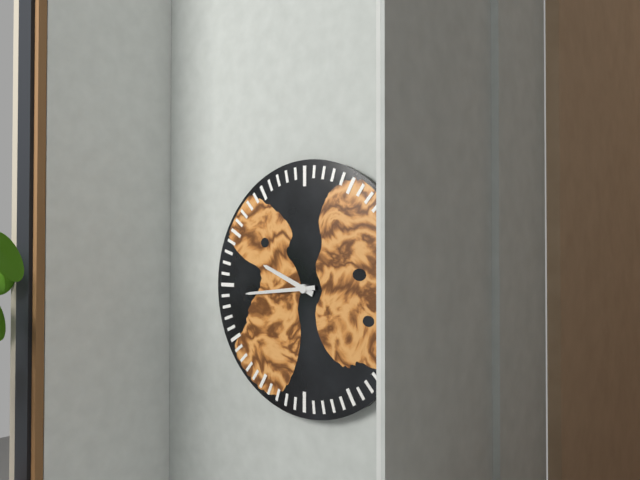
9h44
